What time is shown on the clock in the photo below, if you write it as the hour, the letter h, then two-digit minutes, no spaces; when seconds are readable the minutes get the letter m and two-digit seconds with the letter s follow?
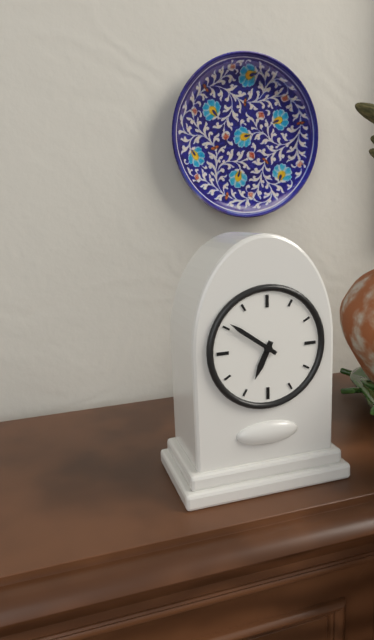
6h51
